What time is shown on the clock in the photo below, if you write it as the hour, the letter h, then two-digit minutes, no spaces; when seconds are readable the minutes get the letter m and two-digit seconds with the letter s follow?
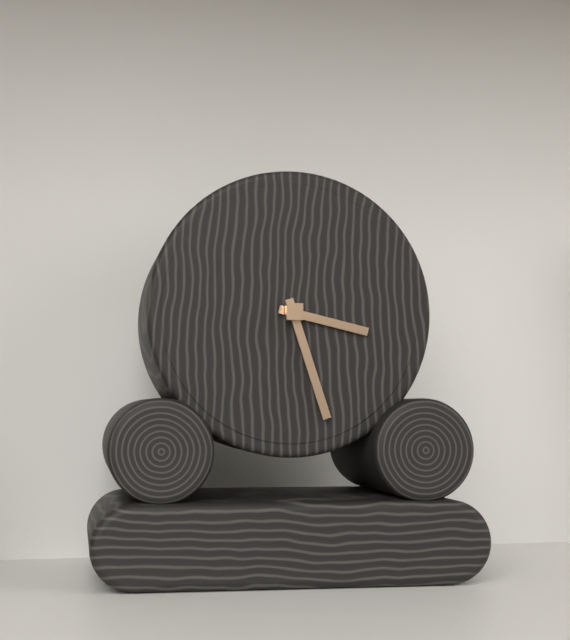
3h27
